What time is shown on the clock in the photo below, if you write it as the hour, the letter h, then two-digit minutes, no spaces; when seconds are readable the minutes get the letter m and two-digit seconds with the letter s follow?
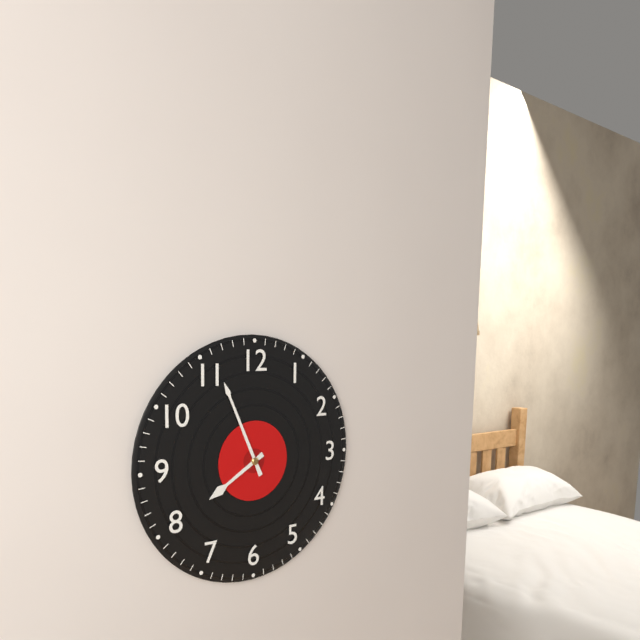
7h56
